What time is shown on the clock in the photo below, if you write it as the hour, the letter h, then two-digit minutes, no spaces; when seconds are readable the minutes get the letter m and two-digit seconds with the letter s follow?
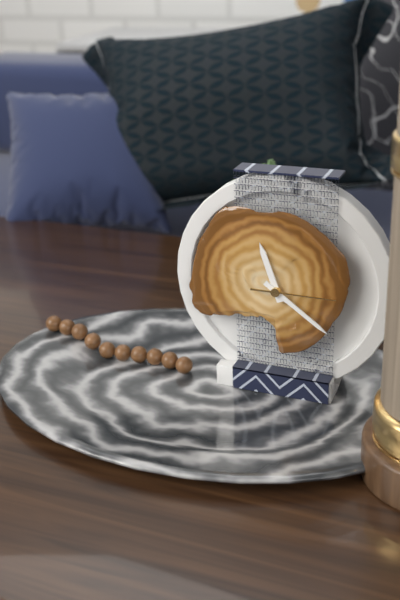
11h21m15s
